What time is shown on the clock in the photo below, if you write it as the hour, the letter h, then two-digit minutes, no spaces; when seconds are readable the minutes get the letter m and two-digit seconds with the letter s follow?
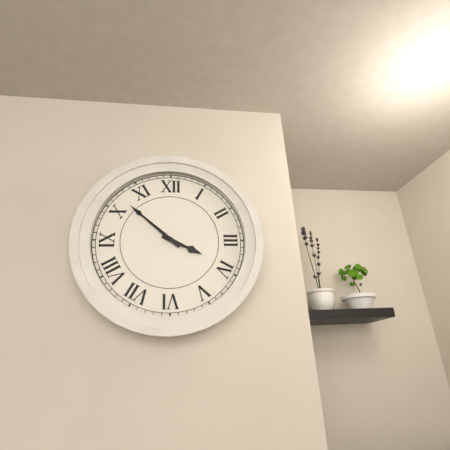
3h52
